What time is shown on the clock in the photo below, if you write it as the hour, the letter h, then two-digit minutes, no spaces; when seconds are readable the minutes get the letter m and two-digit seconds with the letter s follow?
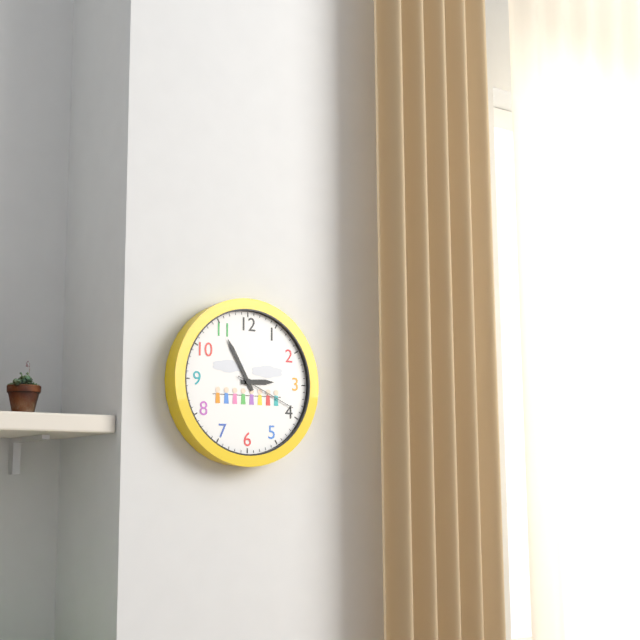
2h55m19s
